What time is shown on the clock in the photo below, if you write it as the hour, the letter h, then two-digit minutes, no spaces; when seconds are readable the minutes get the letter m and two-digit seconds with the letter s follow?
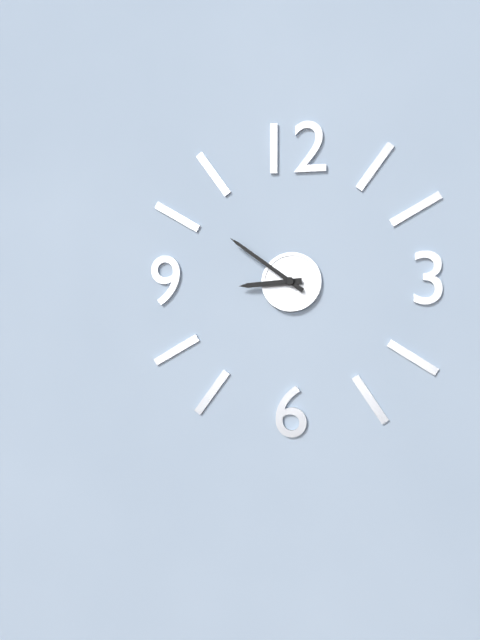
8h51
